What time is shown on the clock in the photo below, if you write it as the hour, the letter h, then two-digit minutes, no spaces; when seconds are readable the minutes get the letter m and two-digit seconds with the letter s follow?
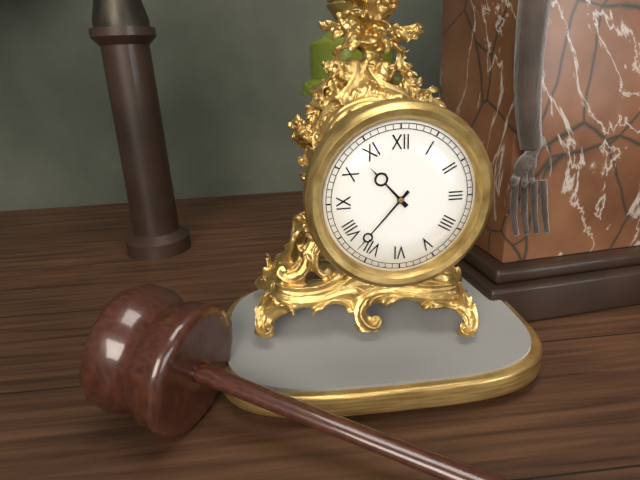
10h37
